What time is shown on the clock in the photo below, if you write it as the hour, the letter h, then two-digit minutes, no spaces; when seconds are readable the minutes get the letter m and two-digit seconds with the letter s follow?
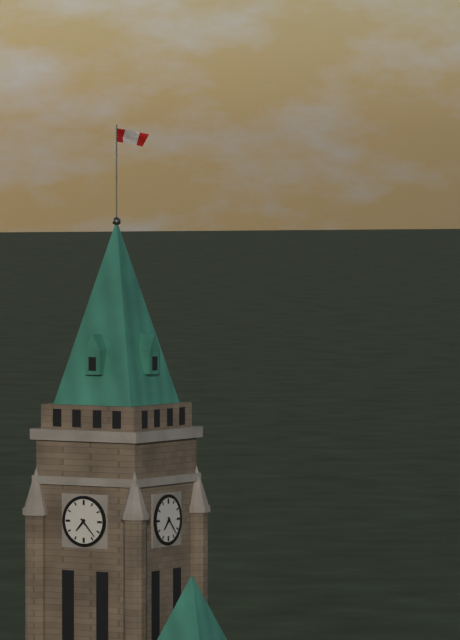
7h23
